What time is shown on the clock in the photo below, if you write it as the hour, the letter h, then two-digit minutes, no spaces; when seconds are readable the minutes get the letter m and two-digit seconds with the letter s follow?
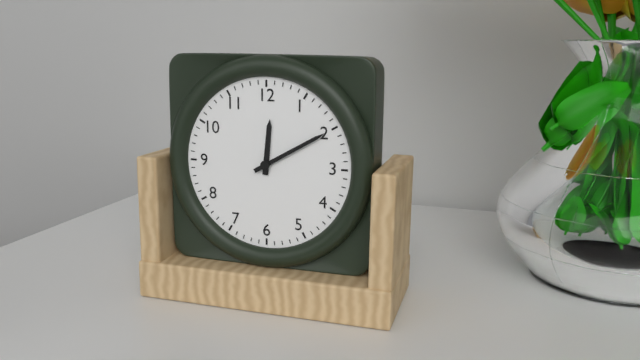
12h10
